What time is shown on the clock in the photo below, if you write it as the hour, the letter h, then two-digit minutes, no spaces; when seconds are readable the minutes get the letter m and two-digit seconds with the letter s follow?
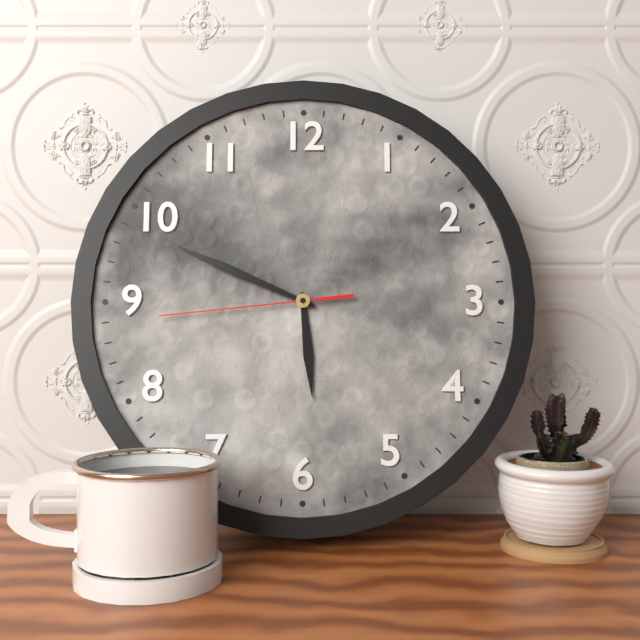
5h49m44s
